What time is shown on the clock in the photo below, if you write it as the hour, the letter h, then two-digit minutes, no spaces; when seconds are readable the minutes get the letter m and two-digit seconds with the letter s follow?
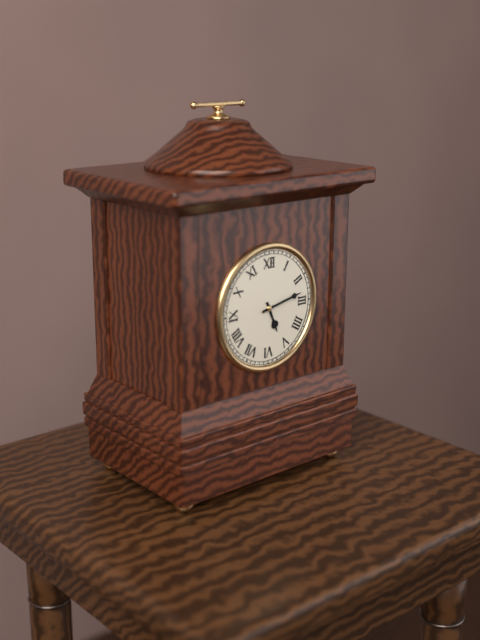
5h13
